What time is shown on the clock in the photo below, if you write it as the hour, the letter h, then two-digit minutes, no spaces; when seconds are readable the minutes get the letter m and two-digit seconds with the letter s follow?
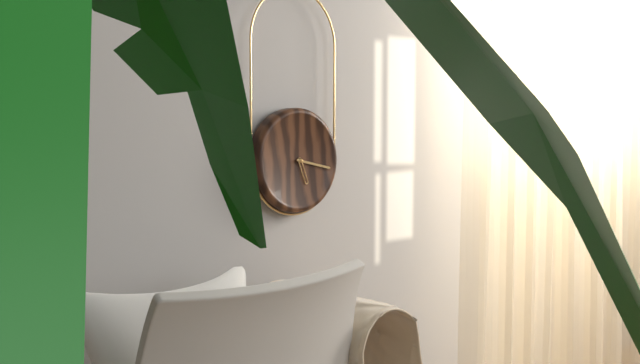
5h17
